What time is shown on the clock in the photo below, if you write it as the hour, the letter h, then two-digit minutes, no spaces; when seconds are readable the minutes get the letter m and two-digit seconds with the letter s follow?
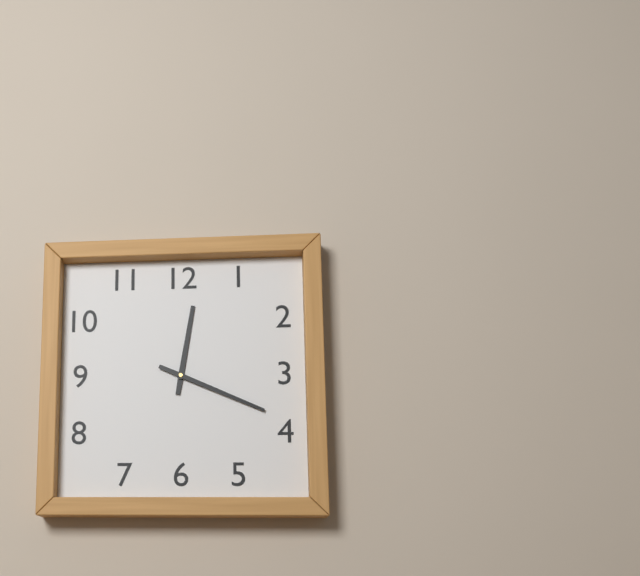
12h19
